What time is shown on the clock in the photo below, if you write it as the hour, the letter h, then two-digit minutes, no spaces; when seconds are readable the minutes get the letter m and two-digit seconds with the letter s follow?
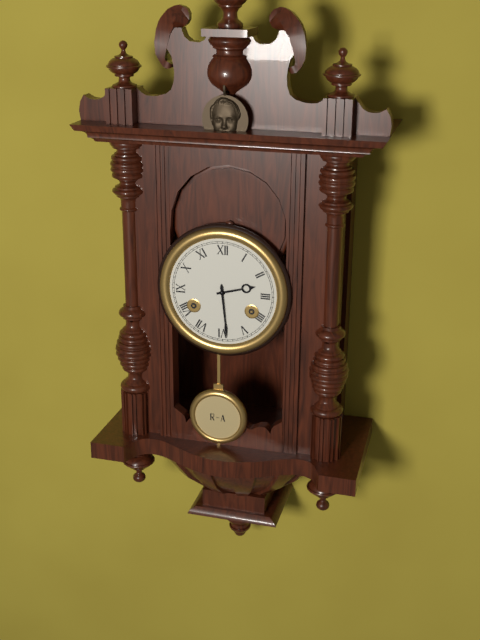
2h29
